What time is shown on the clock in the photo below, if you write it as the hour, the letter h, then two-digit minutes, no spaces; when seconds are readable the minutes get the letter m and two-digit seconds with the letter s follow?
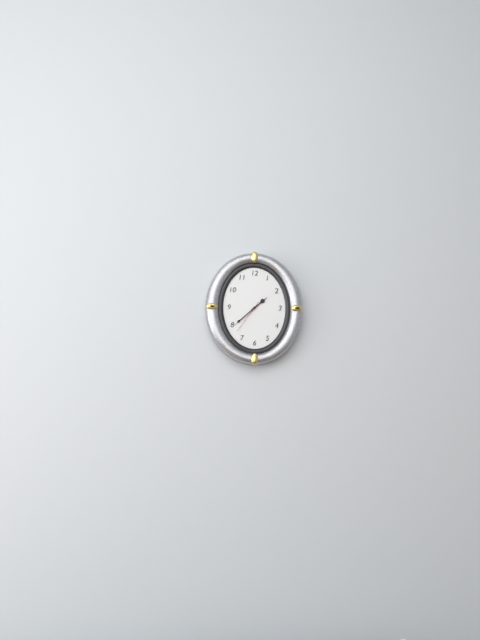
1h38
